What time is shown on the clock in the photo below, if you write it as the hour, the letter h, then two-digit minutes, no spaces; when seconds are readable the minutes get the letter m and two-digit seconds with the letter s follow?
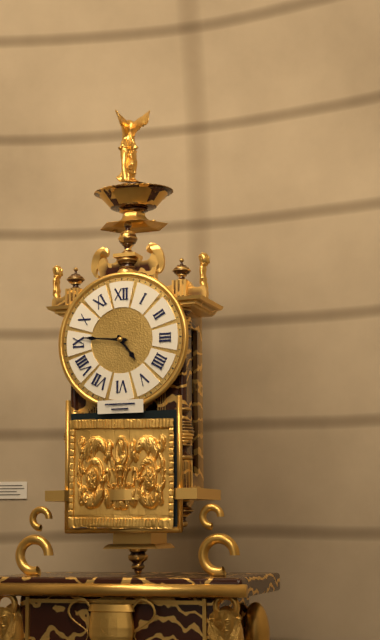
4h46
